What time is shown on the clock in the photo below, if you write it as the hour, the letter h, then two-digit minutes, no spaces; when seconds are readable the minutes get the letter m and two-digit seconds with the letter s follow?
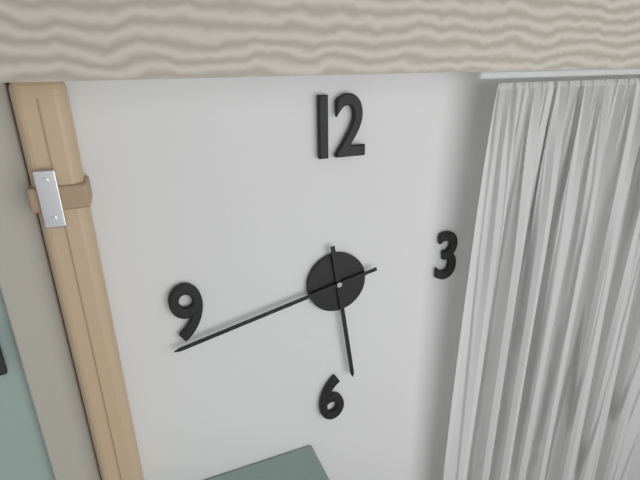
5h43
